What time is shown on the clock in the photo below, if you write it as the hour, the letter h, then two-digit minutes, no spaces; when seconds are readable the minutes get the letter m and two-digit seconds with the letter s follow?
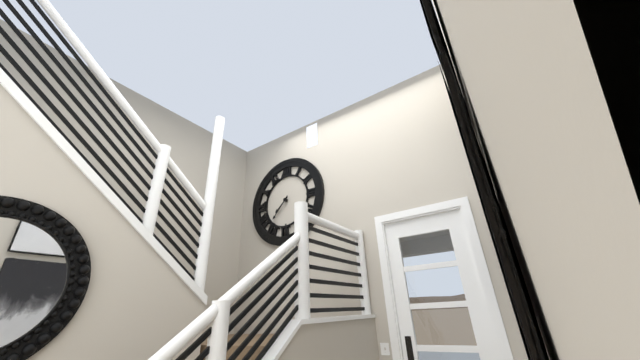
7h37
